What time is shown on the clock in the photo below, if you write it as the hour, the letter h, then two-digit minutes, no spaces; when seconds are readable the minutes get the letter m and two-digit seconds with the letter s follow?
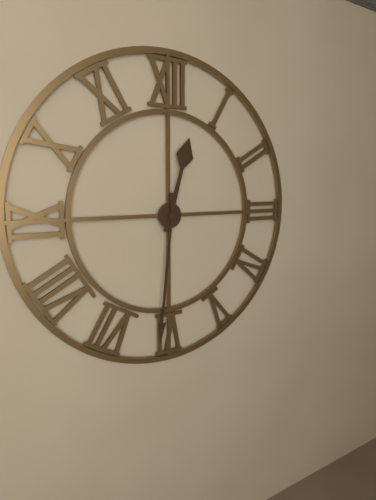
12h31
